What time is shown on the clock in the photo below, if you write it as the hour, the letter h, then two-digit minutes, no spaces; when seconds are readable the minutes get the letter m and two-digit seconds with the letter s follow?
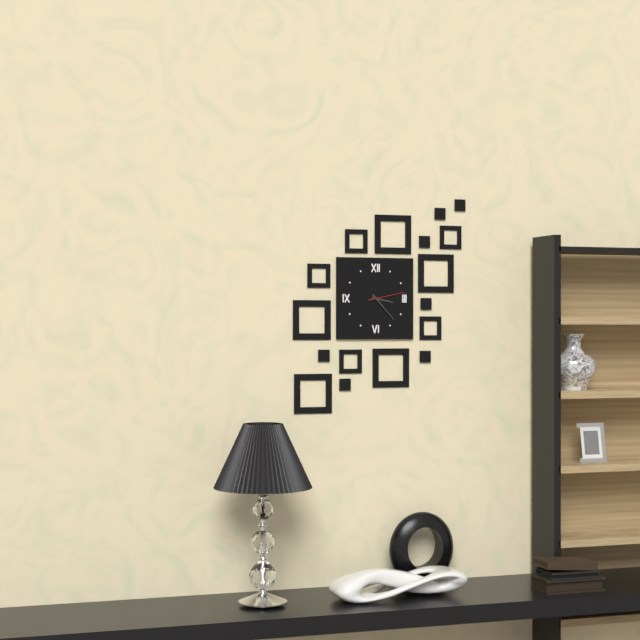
3h23
